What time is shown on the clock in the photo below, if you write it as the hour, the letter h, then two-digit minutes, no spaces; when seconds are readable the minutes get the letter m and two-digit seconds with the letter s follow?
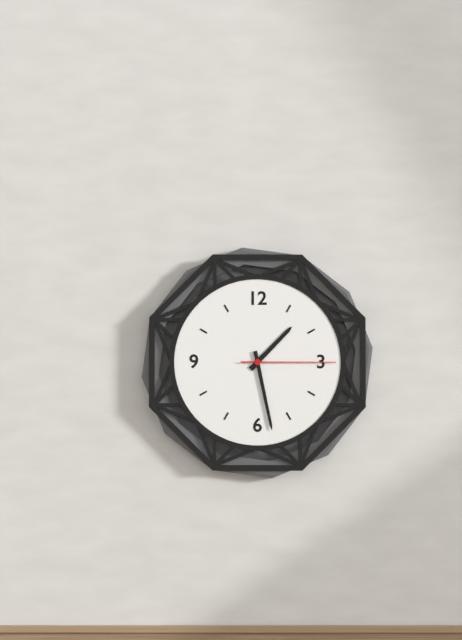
1h28m15s
